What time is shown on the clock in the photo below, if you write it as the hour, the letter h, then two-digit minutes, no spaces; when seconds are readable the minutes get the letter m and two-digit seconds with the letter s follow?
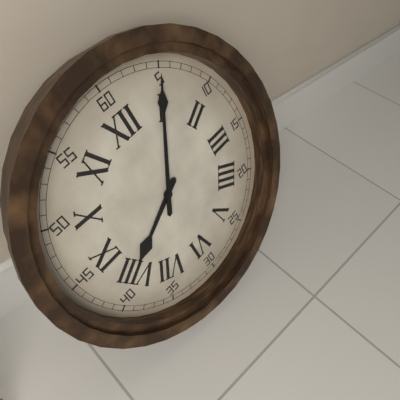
8h05
